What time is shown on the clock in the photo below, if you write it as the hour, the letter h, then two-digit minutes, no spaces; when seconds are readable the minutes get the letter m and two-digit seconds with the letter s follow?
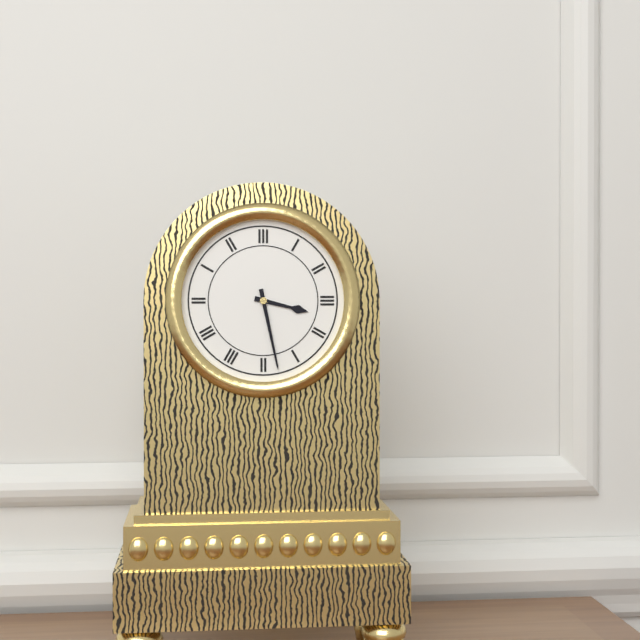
3h28
